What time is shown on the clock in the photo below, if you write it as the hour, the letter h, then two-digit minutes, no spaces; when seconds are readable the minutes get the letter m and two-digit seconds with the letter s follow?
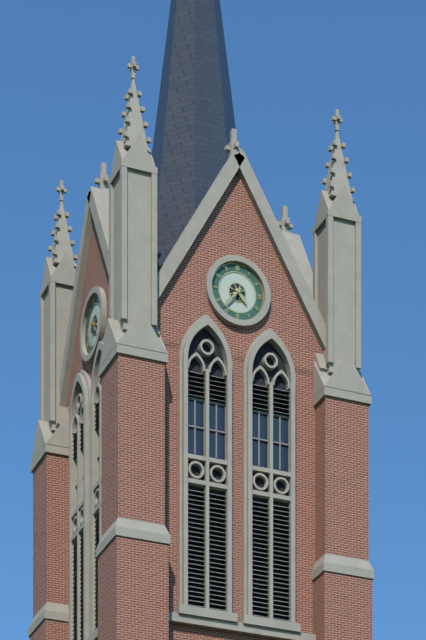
4h37
